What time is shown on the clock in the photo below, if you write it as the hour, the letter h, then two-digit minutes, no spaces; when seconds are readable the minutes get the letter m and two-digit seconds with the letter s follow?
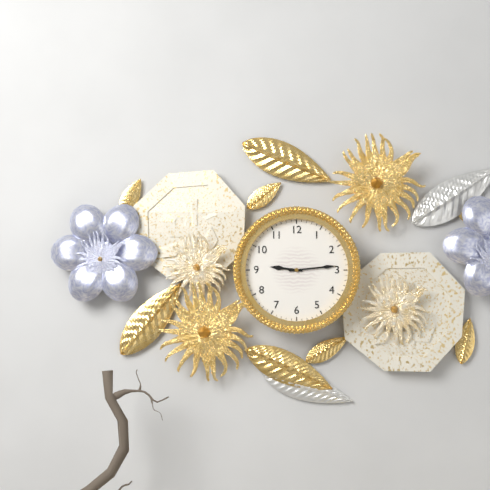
9h14
